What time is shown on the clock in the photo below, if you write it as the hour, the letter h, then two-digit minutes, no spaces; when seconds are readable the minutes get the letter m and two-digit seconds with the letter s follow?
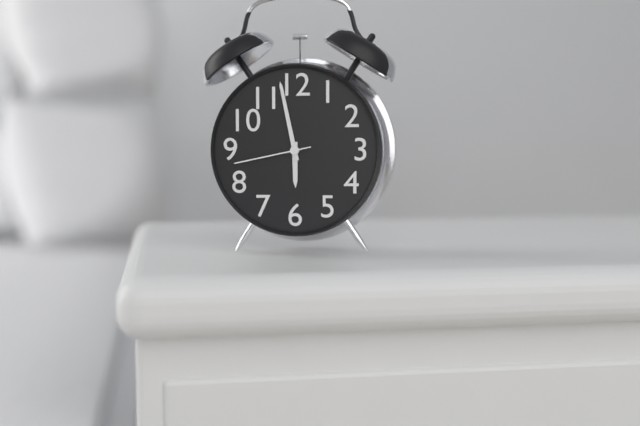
5h58m43s
